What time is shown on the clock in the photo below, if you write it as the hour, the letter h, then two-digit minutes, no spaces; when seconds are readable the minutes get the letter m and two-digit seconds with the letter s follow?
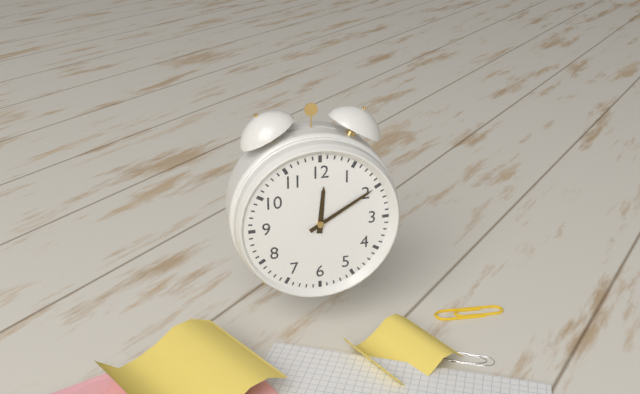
12h10
